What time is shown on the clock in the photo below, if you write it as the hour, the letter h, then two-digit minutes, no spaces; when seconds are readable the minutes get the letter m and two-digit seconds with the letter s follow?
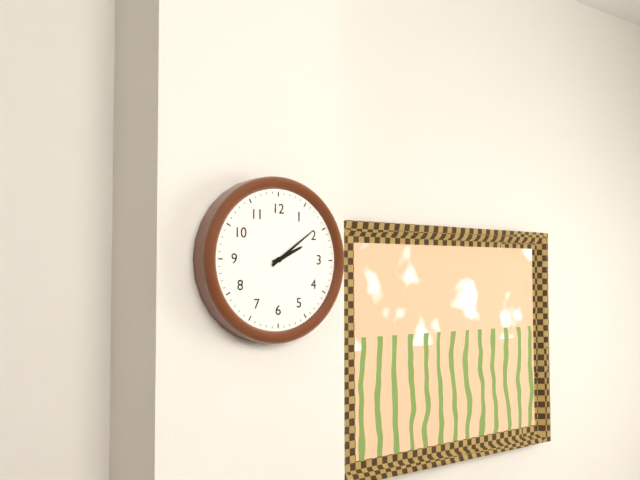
2h09
